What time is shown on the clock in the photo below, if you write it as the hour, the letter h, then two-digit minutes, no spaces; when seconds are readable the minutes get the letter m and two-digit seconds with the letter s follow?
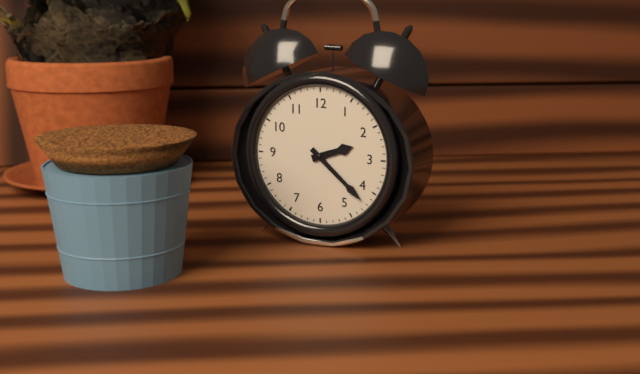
2h22
